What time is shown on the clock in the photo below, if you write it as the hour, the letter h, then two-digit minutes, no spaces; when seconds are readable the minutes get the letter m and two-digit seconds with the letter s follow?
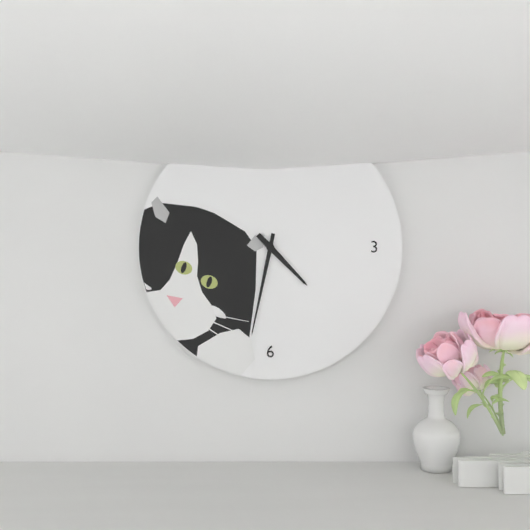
4h32
